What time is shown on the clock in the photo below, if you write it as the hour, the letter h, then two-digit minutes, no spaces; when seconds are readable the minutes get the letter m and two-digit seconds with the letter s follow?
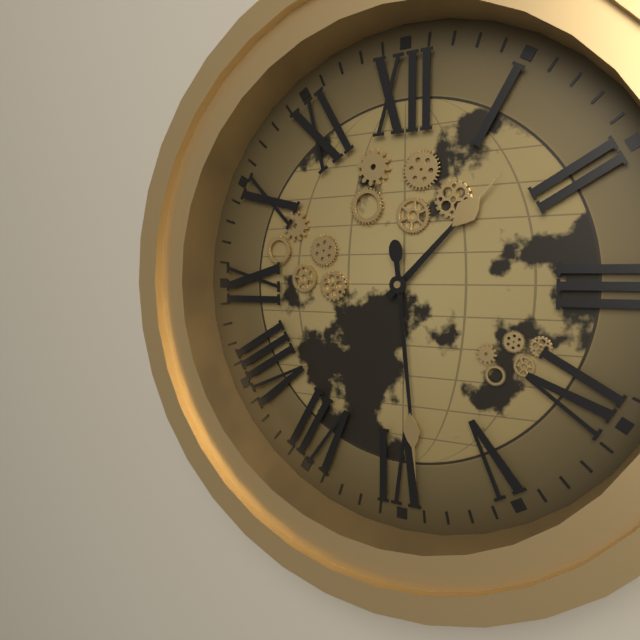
1h29
